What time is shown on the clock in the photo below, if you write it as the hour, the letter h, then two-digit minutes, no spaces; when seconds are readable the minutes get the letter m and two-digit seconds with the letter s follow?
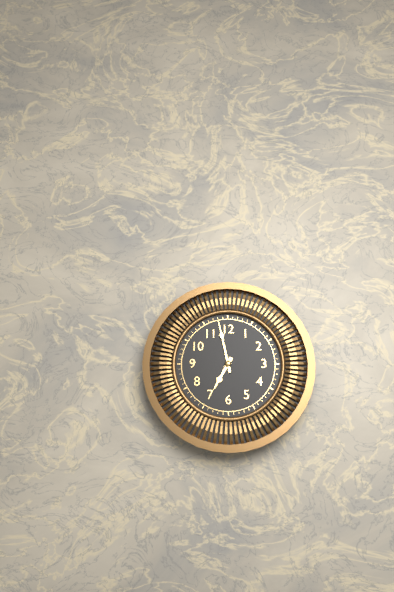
6h58
